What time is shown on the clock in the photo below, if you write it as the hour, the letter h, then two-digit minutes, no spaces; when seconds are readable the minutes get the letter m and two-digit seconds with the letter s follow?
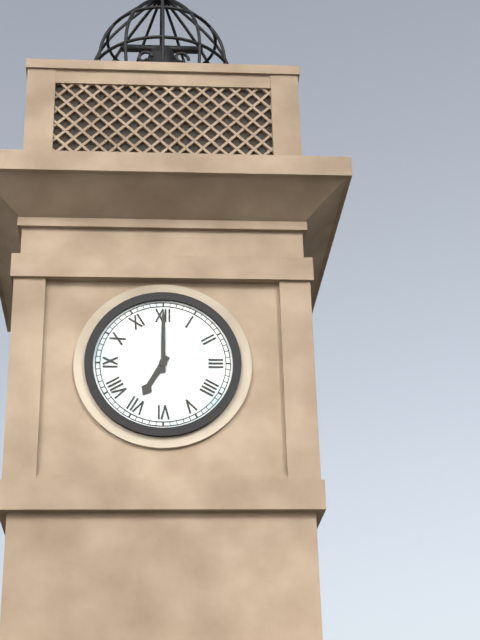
7h00
